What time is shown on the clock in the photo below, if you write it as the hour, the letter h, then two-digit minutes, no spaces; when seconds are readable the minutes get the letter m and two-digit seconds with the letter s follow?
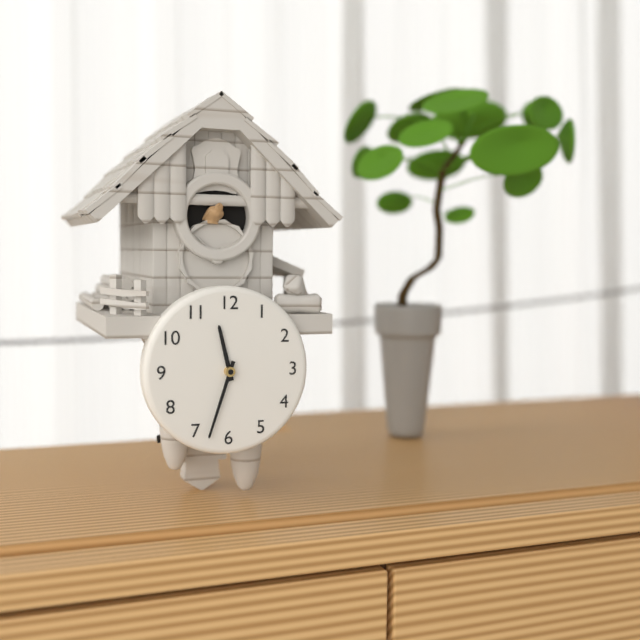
11h33
